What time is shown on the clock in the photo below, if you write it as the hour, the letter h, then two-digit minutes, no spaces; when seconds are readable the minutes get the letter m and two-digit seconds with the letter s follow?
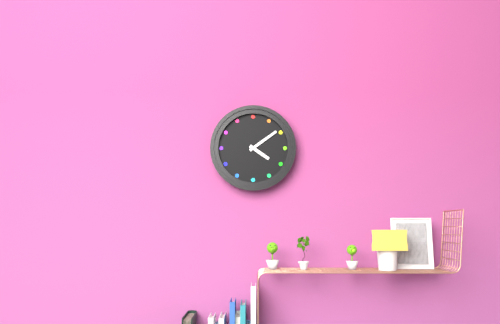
4h09
